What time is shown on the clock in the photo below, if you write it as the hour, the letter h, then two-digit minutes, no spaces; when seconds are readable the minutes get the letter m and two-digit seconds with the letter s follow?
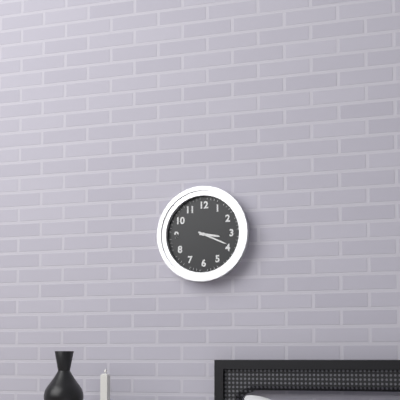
3h19
